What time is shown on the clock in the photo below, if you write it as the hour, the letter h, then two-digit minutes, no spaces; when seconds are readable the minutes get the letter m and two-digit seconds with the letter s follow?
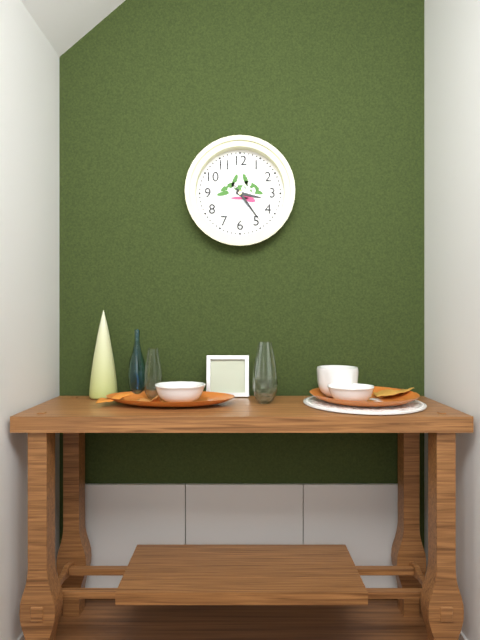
3h24
